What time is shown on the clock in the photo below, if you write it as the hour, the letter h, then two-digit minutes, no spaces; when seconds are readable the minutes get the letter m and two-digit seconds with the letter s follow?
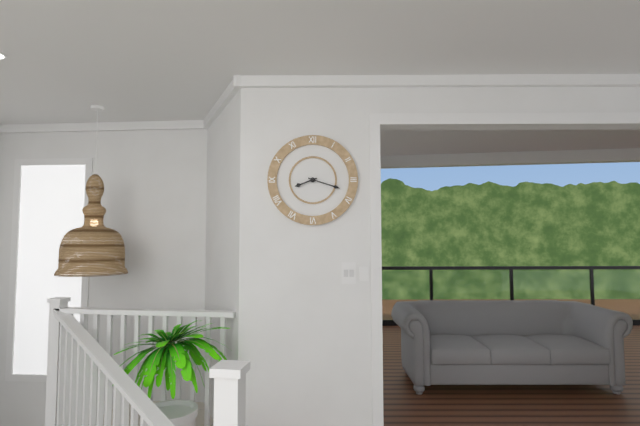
8h18
